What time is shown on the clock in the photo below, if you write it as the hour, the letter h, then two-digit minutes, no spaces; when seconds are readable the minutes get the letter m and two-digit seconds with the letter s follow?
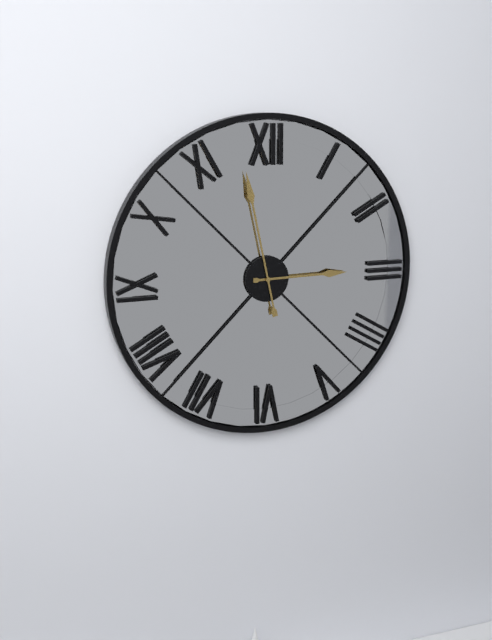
2h58
